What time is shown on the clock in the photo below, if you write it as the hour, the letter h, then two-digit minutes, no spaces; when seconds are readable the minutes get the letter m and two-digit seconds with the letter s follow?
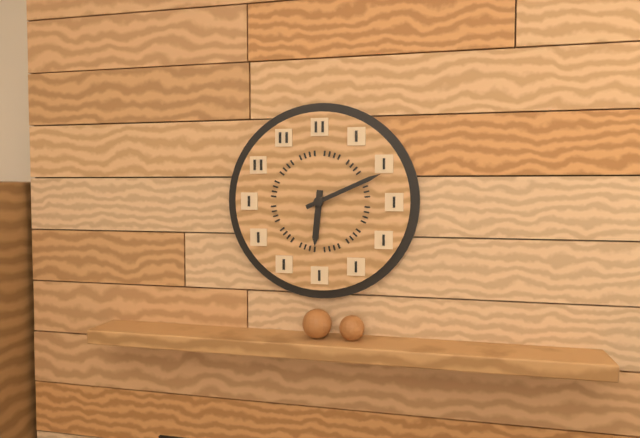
6h11
